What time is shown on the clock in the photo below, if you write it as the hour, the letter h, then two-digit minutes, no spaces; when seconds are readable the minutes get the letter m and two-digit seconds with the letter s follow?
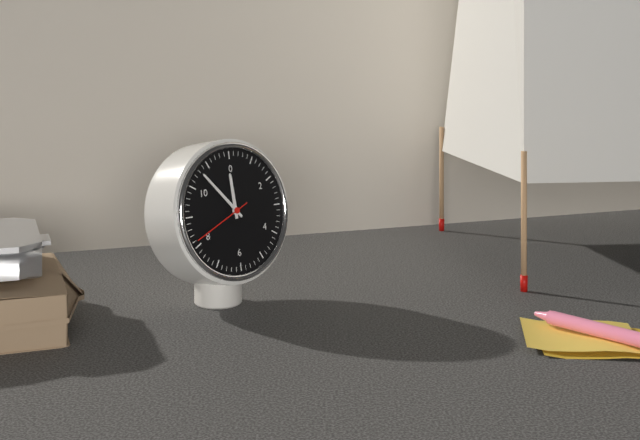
11h53
